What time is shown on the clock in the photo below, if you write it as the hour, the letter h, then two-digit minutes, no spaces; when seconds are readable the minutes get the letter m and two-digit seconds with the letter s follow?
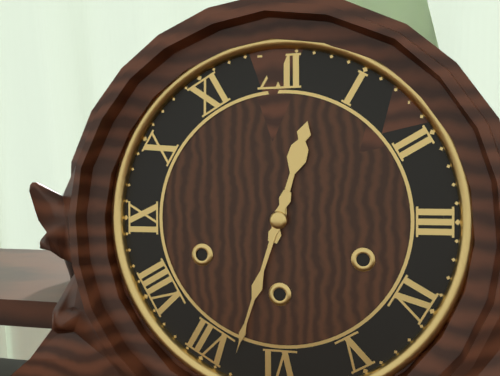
12h33
